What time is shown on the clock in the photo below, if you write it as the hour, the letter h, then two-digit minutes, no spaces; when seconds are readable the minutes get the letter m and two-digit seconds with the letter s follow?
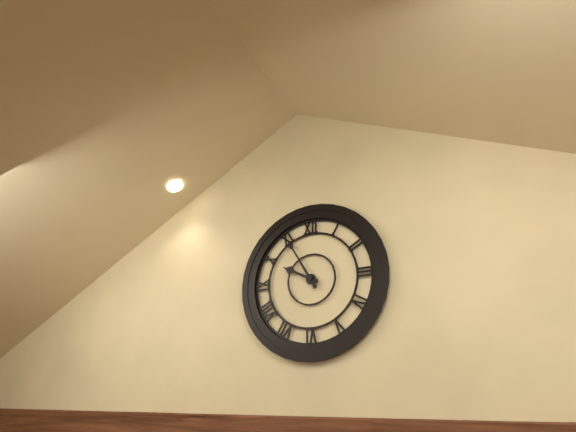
9h55
